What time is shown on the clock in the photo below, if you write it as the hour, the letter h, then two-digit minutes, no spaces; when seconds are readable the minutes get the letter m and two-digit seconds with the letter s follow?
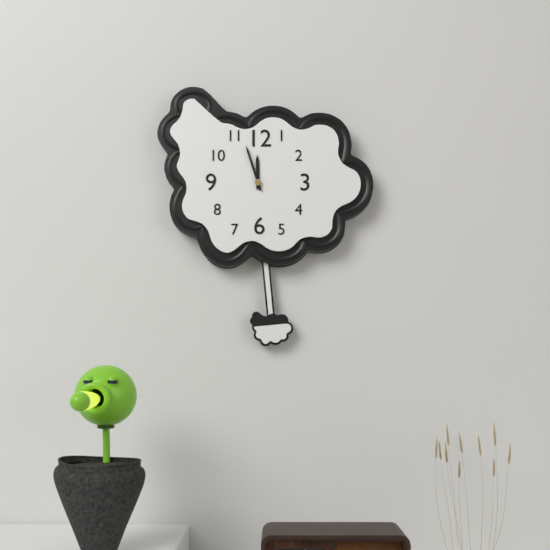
11h57
